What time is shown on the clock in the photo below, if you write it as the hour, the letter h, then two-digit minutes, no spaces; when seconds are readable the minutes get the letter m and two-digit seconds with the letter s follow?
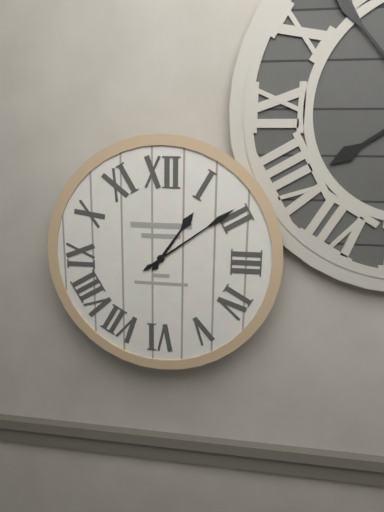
1h09
